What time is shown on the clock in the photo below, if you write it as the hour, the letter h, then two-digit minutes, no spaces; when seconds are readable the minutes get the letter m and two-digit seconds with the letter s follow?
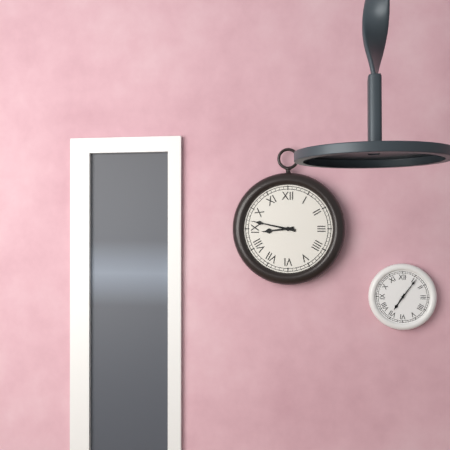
8h47
